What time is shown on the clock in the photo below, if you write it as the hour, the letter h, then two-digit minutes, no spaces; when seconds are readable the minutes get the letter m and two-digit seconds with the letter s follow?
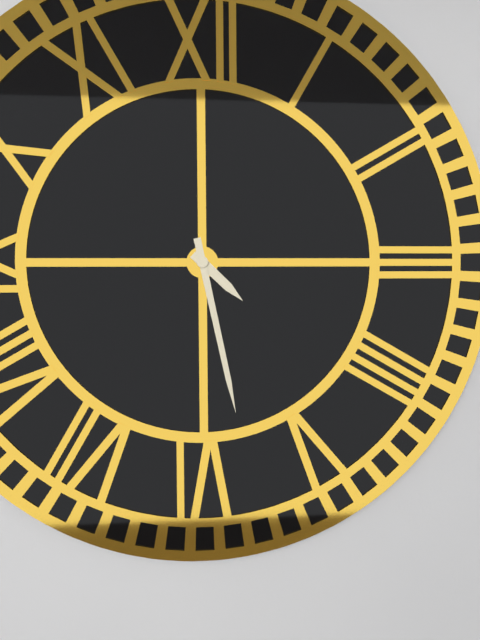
4h28
